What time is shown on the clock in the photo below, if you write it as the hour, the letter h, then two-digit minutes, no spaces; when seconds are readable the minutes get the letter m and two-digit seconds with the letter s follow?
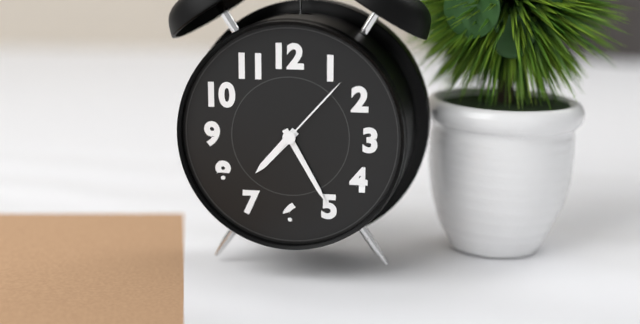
7h25m07s
